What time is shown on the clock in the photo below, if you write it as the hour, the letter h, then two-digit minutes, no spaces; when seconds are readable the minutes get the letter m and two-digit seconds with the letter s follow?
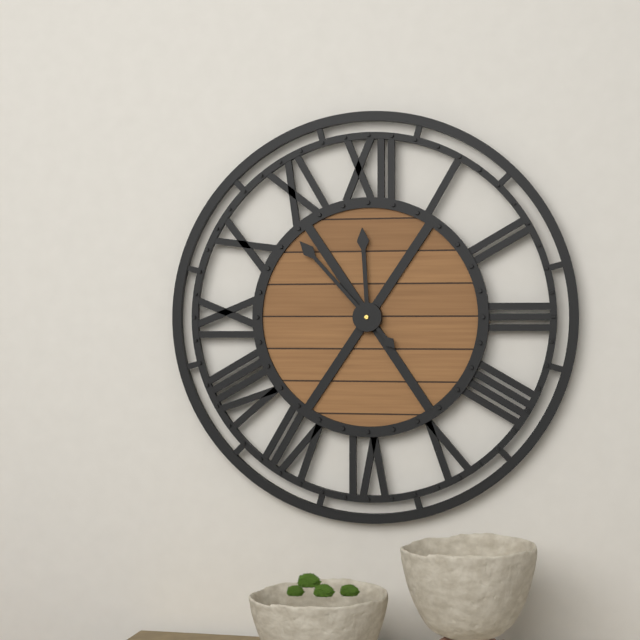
11h53
